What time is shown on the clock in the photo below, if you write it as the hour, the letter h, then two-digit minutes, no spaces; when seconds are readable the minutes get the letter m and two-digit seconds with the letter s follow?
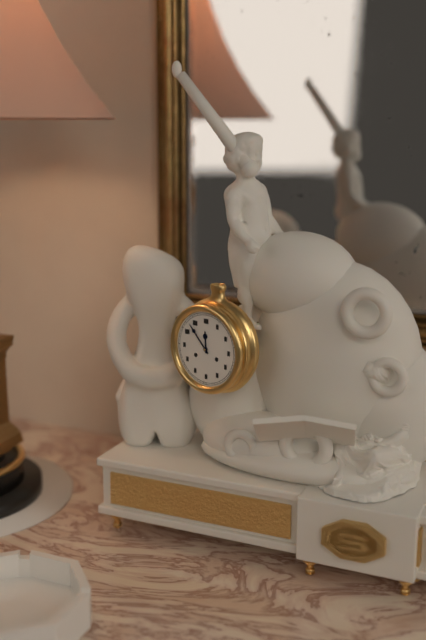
11h53
